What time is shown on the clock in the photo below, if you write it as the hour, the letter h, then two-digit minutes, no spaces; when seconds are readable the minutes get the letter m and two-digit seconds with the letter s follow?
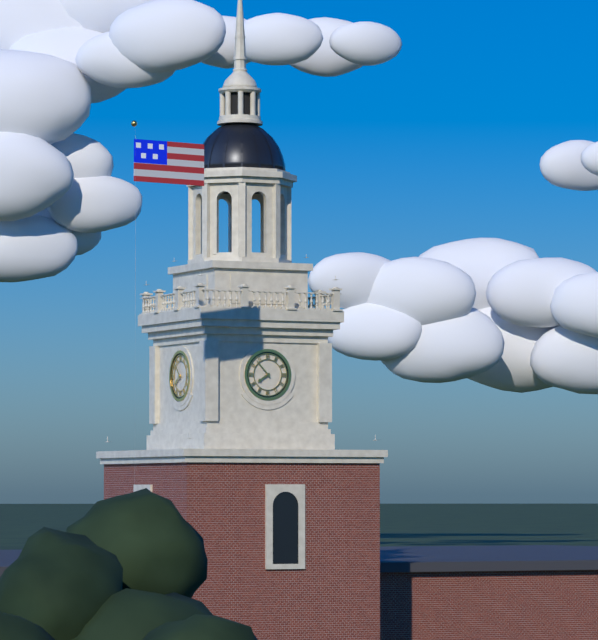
7h53
